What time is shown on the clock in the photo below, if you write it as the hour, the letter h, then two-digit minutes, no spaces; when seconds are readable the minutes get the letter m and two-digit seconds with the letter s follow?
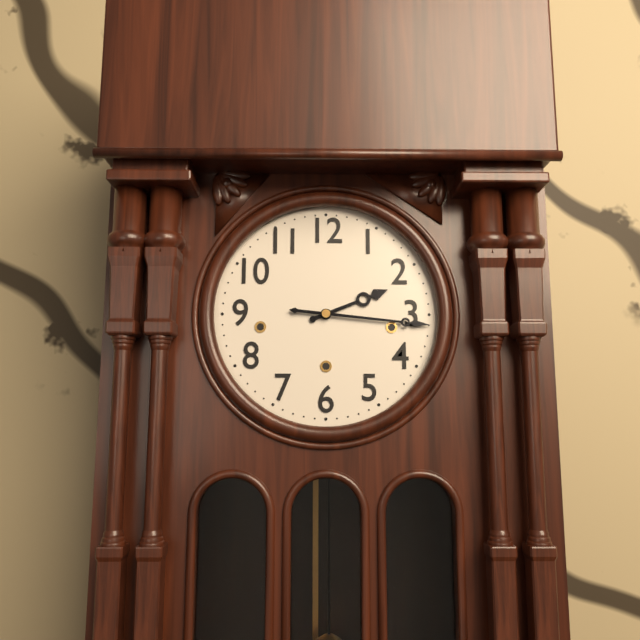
2h16
